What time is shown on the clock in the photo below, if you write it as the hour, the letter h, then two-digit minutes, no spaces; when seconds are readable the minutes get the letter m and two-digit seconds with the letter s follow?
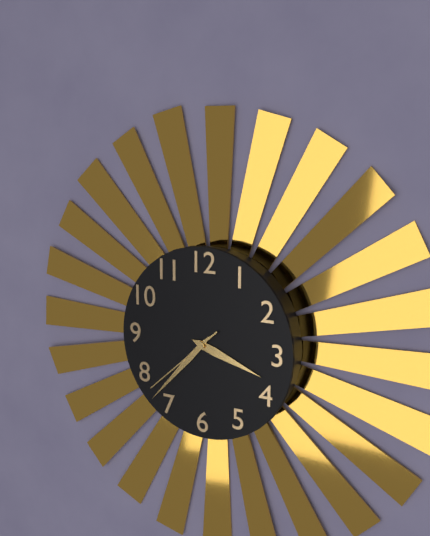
3h37m38s
